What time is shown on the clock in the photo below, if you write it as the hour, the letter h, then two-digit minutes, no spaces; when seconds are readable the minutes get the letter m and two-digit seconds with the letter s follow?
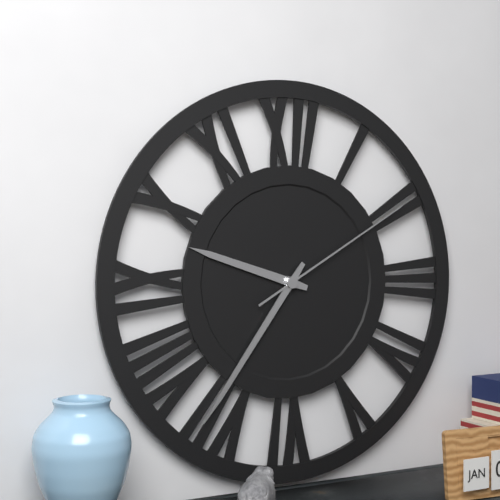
9h36m10s
